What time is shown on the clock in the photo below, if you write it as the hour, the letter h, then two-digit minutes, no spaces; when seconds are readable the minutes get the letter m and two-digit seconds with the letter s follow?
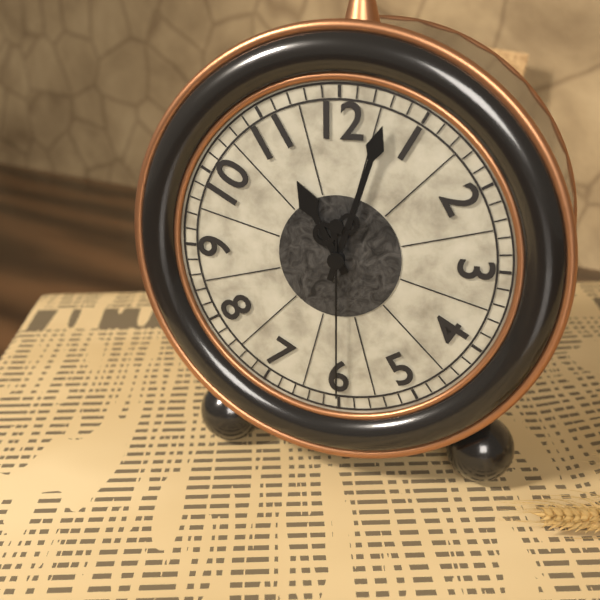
11h03m30s
